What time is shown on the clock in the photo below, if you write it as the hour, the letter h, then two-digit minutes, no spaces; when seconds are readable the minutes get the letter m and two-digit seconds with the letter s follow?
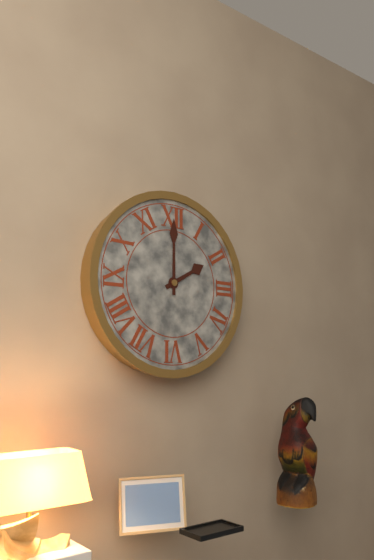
2h00
